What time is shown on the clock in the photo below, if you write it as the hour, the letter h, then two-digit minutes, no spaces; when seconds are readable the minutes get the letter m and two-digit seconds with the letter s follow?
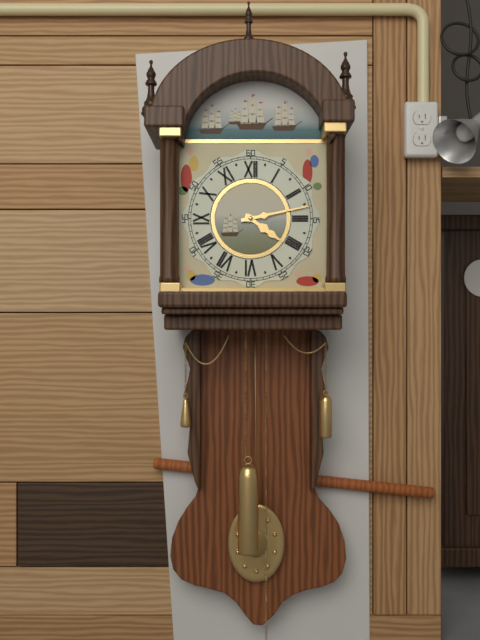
4h13
